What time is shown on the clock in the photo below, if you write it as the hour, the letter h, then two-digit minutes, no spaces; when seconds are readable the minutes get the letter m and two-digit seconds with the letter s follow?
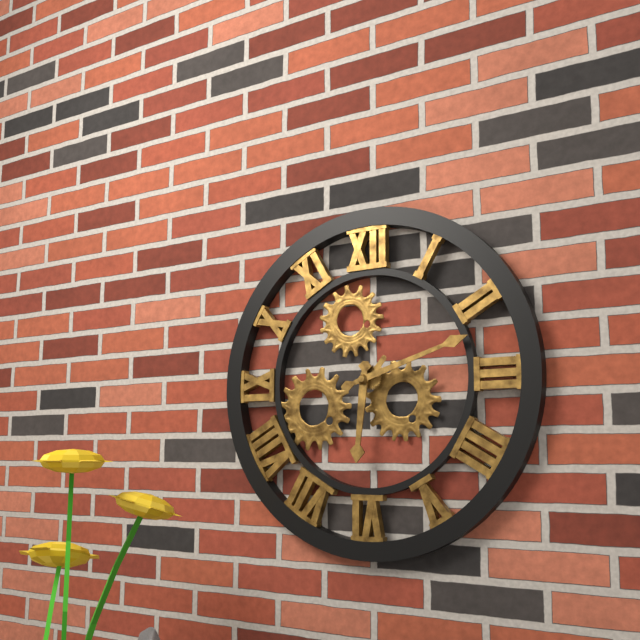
6h12
